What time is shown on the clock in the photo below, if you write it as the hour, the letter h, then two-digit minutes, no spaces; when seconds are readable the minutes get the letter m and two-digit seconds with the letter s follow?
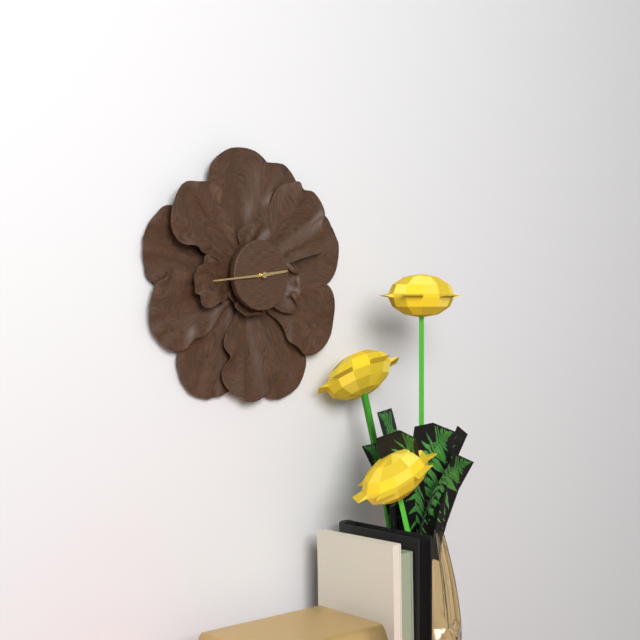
2h44
